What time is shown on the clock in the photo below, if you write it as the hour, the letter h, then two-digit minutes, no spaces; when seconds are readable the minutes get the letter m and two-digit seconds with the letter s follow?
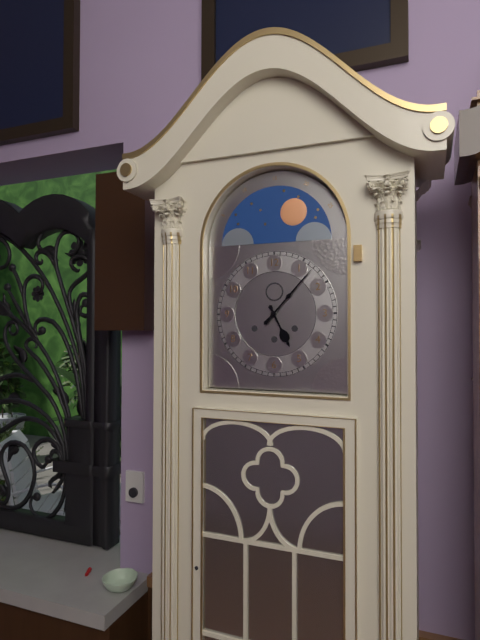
5h07
